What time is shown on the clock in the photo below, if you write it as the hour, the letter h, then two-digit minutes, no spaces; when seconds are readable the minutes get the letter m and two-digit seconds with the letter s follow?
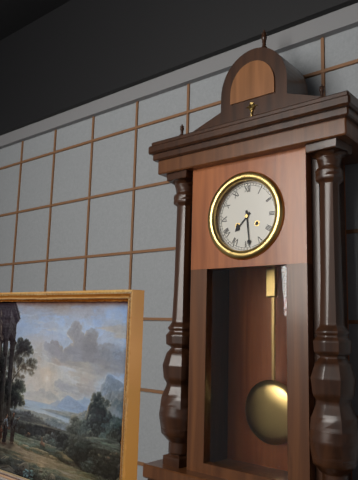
7h29
